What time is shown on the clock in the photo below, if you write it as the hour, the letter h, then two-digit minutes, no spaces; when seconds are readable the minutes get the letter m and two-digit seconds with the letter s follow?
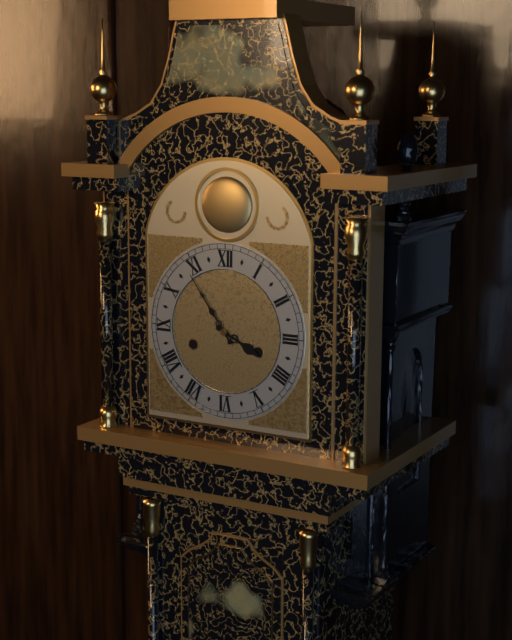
3h54
